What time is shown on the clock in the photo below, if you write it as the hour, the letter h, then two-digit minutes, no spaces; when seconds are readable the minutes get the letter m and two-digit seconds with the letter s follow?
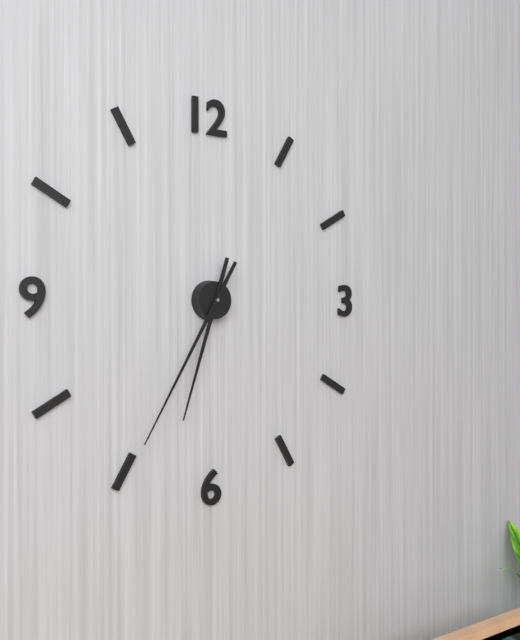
6h35
